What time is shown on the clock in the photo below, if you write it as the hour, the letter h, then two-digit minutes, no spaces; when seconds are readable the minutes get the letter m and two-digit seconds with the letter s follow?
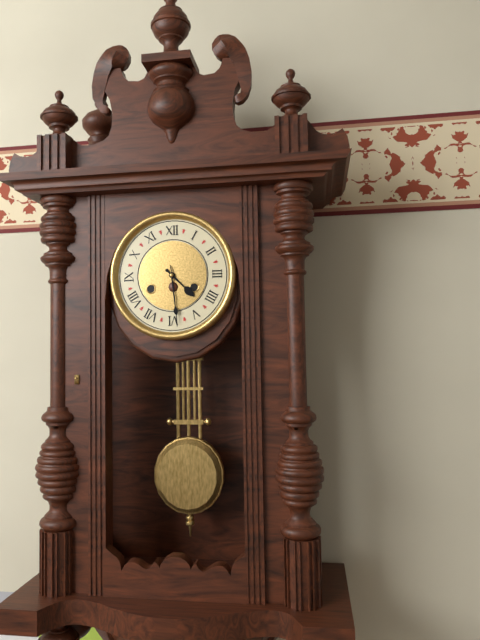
4h29
